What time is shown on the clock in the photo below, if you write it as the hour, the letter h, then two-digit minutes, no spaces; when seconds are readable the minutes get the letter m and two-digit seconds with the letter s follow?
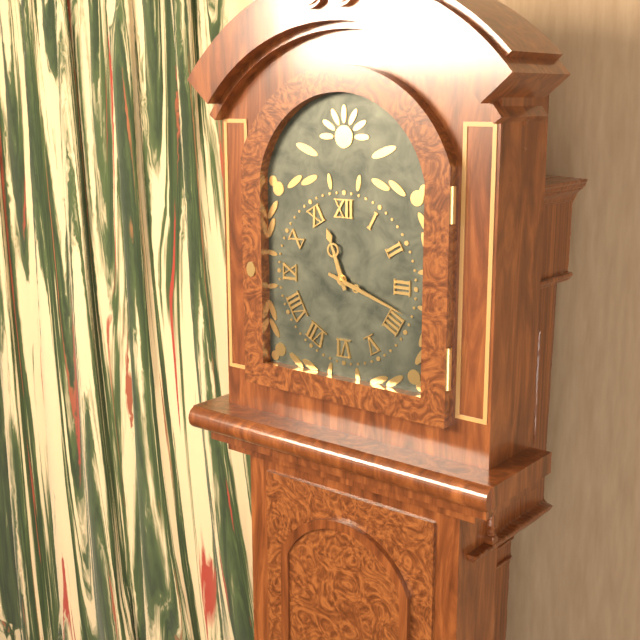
11h18
